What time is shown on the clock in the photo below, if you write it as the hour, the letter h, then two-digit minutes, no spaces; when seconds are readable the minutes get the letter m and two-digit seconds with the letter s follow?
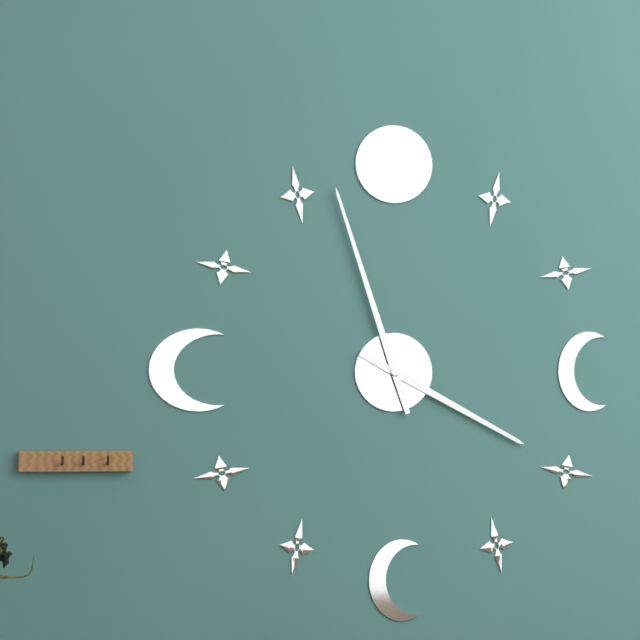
3h57
